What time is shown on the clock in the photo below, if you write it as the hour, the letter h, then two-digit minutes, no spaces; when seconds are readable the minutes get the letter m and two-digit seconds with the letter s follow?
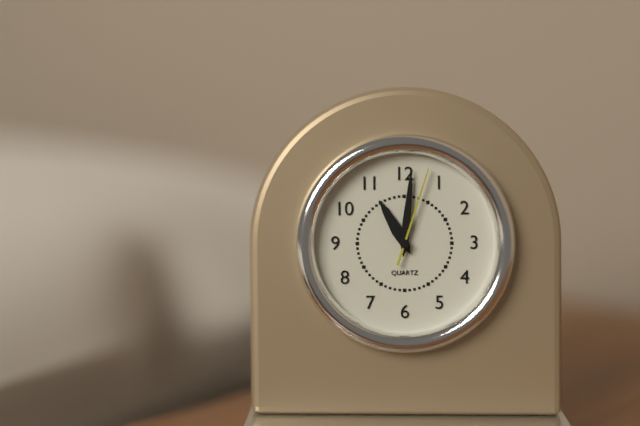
11h01m03s
